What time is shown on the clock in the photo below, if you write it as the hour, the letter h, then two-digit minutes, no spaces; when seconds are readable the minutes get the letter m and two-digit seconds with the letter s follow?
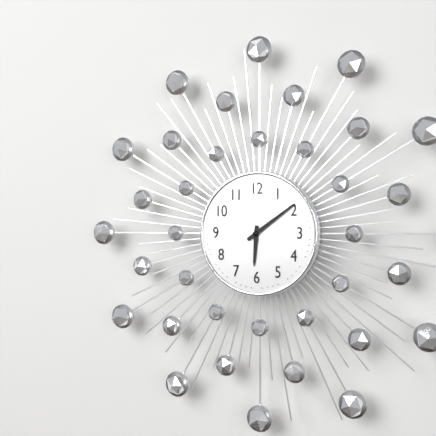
6h09
